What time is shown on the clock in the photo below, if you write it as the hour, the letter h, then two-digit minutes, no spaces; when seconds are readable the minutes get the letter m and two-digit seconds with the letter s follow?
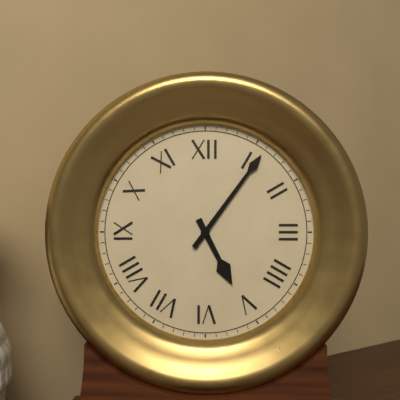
5h06
